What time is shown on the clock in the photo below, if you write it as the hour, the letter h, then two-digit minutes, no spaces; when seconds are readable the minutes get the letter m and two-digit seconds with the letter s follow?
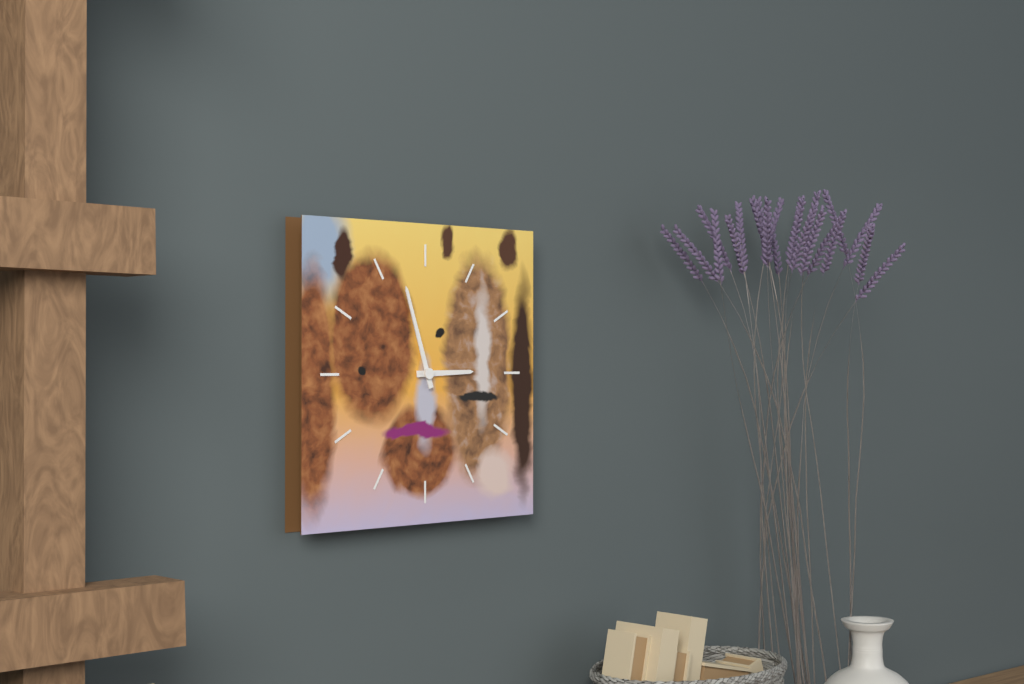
2h57
